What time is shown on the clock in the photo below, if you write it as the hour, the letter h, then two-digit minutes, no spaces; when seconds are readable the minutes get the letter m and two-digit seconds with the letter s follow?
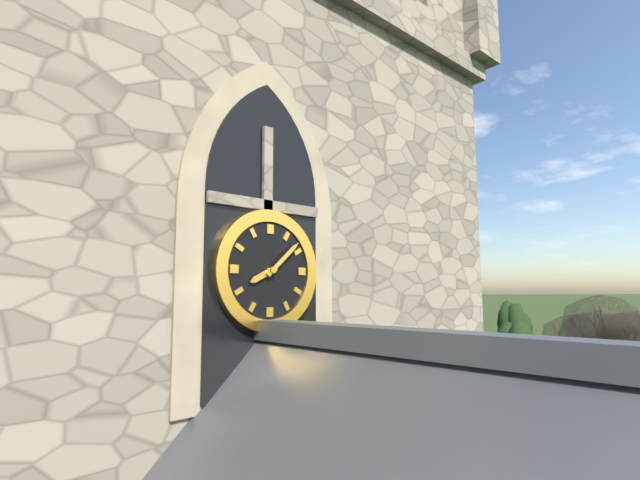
8h08
